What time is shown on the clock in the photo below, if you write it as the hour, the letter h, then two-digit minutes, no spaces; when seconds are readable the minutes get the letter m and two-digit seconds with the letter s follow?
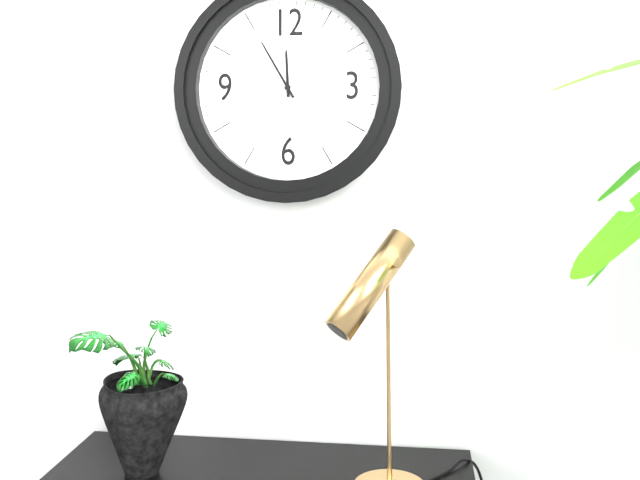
11h55
